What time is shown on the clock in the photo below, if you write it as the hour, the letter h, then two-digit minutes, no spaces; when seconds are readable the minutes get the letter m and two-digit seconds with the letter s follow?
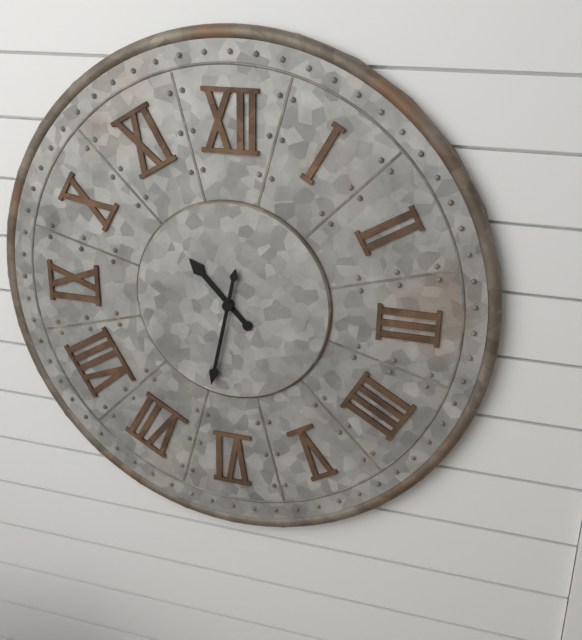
10h32
